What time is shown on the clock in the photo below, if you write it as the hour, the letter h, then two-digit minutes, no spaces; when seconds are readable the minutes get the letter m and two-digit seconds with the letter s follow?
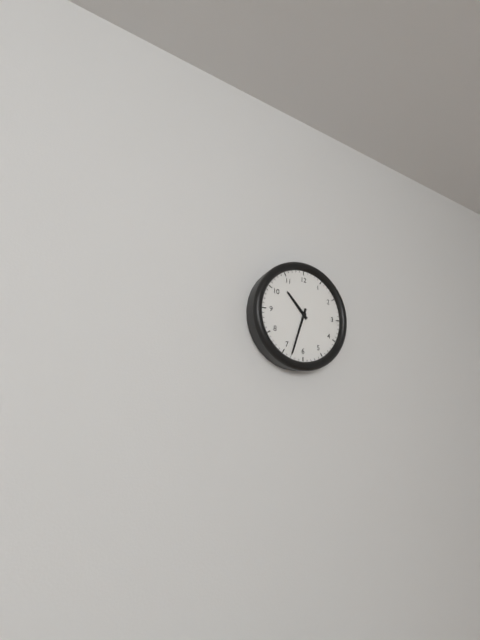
10h33
